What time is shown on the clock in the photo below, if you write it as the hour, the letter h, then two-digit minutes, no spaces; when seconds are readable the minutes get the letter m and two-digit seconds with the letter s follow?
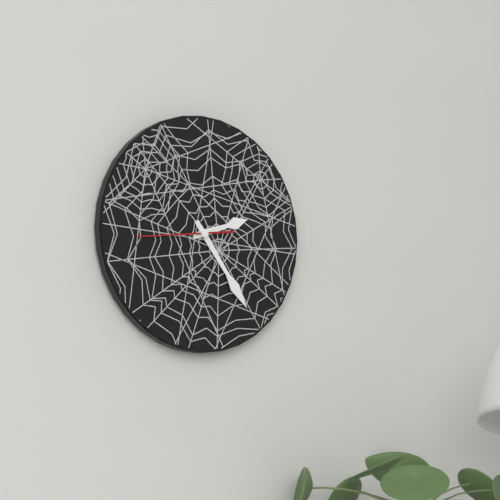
2h24m44s
